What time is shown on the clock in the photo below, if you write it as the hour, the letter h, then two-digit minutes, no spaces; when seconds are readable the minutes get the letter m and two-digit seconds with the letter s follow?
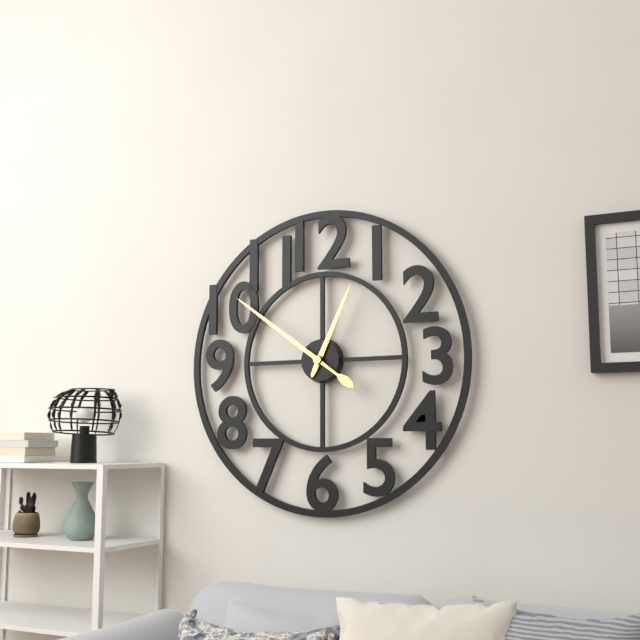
12h51
